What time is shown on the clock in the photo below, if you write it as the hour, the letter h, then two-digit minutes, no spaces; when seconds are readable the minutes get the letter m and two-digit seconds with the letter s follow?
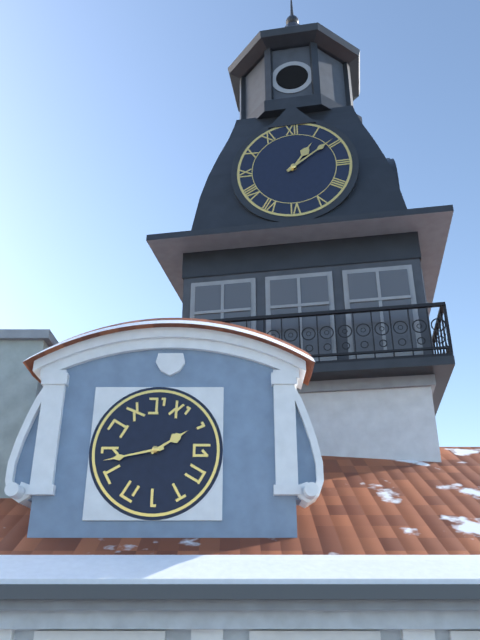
1h09
